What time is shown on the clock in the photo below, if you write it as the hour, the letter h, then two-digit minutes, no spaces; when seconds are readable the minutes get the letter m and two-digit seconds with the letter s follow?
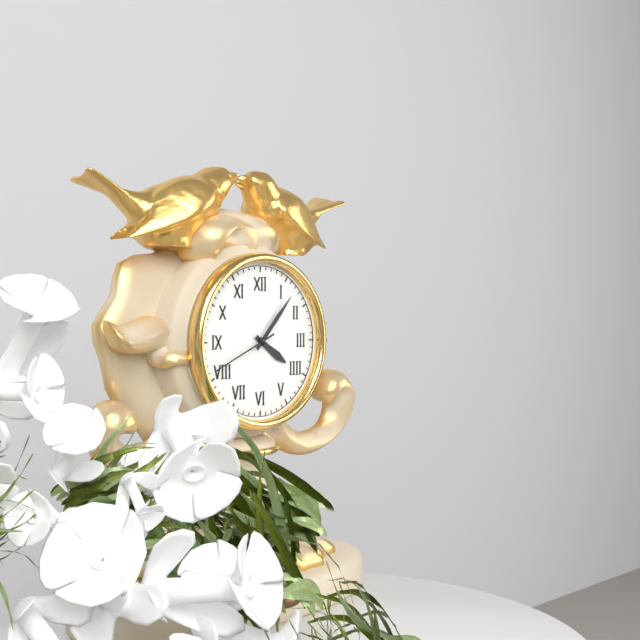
4h07m41s
